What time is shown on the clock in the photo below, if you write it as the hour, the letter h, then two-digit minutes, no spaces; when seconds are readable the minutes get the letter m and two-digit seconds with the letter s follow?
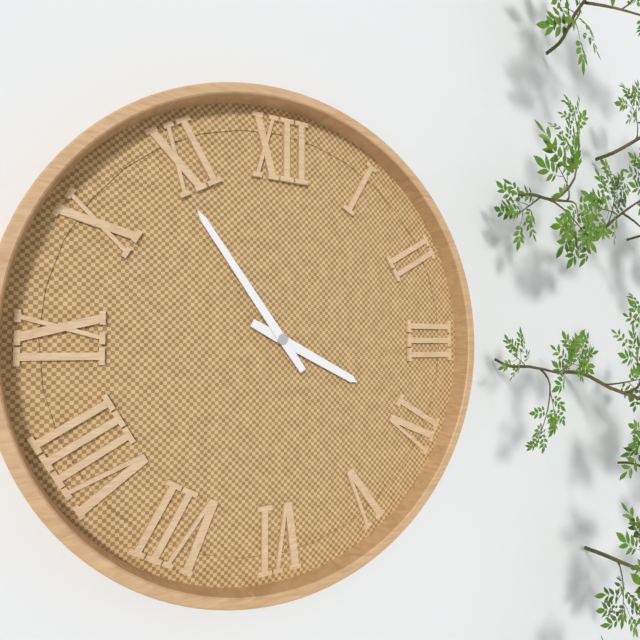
3h54
